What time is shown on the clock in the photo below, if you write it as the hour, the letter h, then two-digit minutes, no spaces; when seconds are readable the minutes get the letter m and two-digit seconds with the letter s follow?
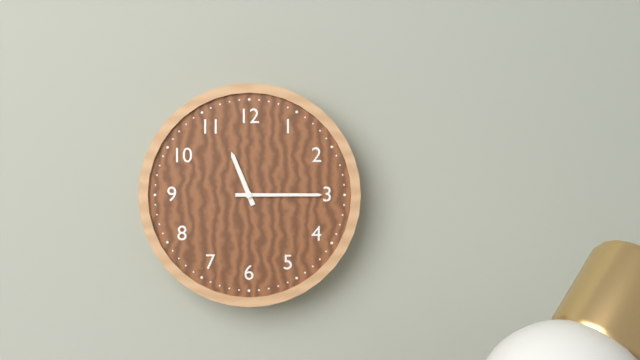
11h15
